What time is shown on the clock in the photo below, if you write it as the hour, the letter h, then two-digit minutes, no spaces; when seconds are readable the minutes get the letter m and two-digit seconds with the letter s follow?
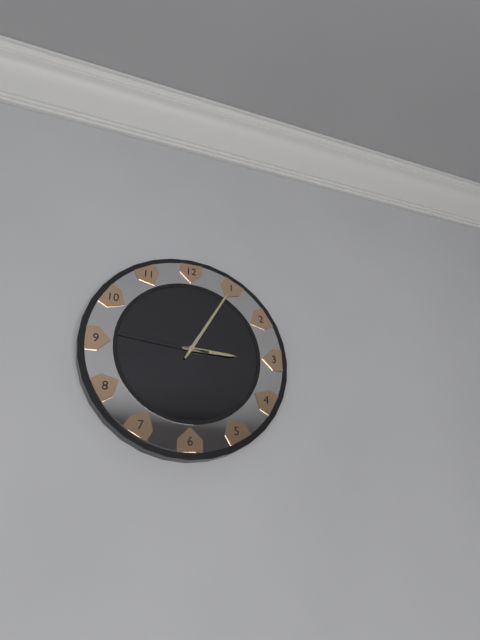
3h05m46s
